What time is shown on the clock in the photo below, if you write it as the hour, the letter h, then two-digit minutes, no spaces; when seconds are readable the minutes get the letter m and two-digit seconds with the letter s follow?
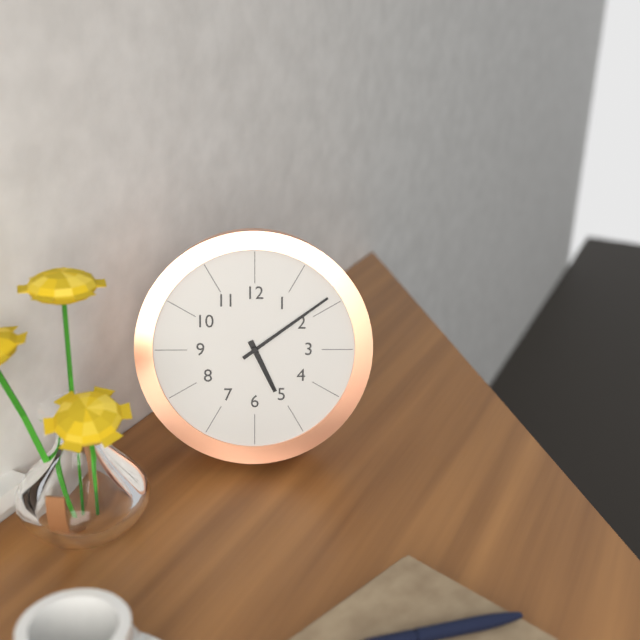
5h09
